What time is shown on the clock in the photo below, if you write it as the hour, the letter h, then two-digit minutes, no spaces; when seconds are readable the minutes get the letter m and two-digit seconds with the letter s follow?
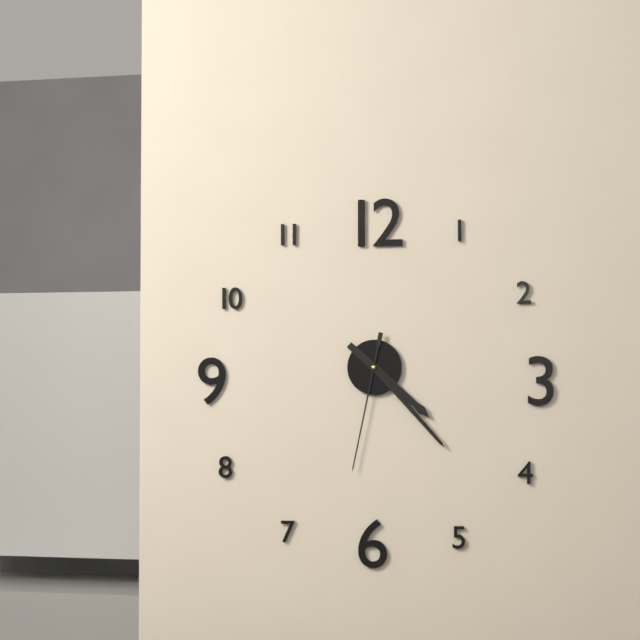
4h23m32s
